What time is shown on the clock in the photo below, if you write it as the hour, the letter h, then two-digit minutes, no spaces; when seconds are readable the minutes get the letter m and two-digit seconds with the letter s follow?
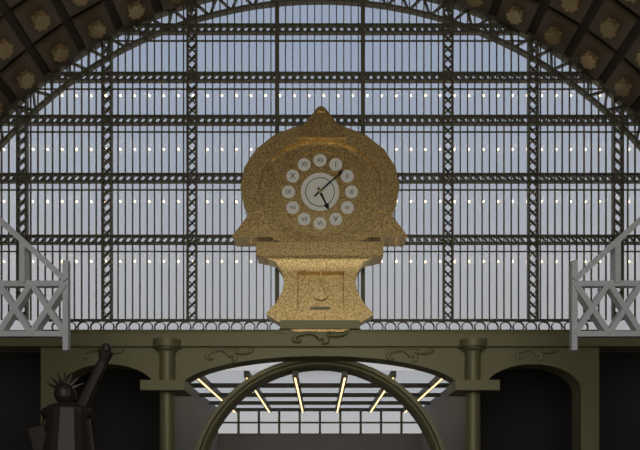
5h08
